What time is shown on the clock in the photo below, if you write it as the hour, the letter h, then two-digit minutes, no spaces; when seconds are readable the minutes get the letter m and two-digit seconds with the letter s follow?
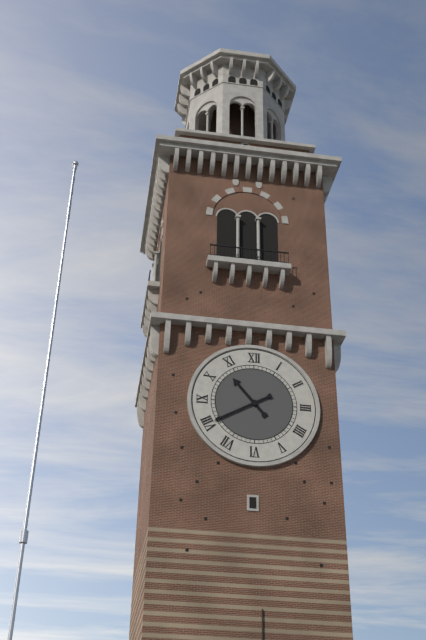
10h40
